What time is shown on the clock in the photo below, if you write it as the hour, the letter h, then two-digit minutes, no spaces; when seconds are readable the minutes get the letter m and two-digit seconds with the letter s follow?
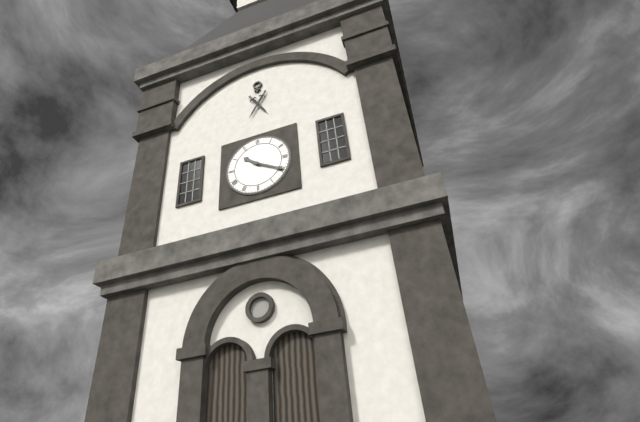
10h20
